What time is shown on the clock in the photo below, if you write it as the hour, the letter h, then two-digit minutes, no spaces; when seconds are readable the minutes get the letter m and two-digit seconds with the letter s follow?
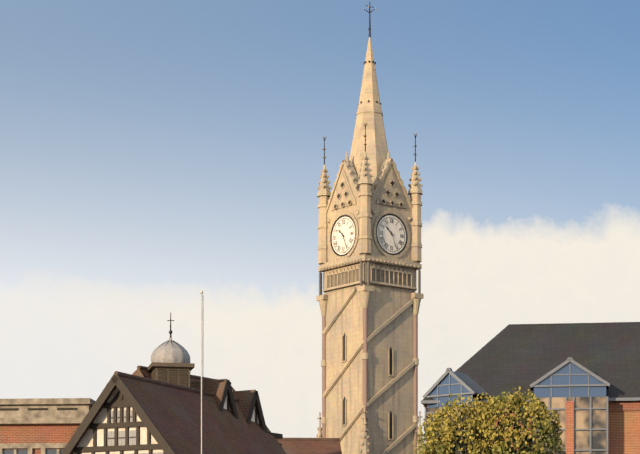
10h26
